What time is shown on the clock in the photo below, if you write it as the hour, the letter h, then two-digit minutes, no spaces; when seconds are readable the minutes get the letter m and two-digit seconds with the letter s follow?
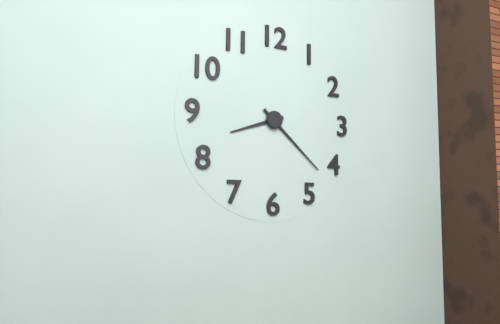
8h22
